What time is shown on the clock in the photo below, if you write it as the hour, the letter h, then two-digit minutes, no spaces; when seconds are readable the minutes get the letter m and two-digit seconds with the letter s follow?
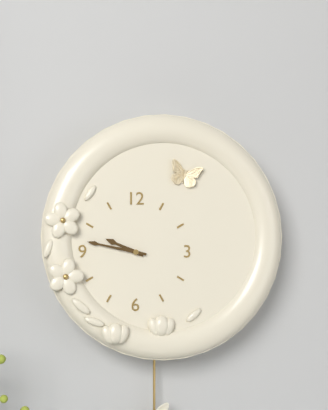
9h47
